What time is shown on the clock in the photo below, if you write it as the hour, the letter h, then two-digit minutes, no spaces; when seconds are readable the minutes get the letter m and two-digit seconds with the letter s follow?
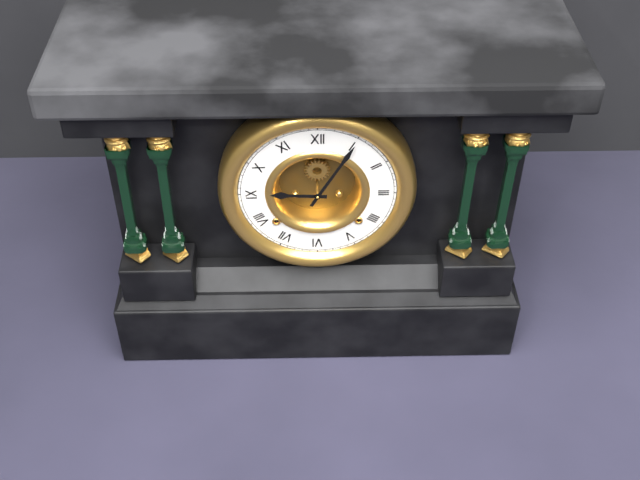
9h05
